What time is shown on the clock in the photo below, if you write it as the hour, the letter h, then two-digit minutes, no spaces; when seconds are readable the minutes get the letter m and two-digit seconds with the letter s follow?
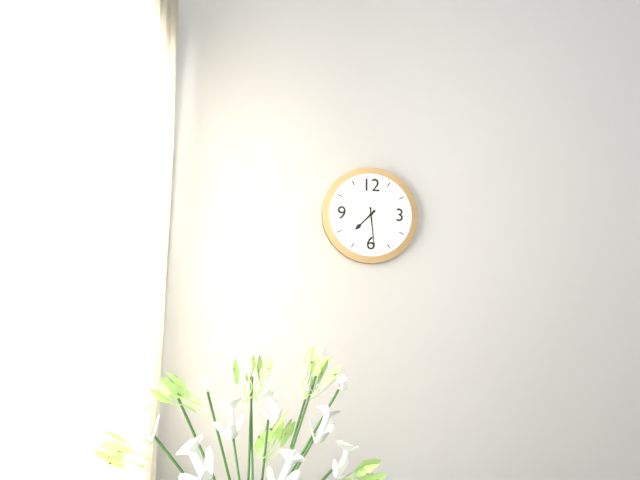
7h29
